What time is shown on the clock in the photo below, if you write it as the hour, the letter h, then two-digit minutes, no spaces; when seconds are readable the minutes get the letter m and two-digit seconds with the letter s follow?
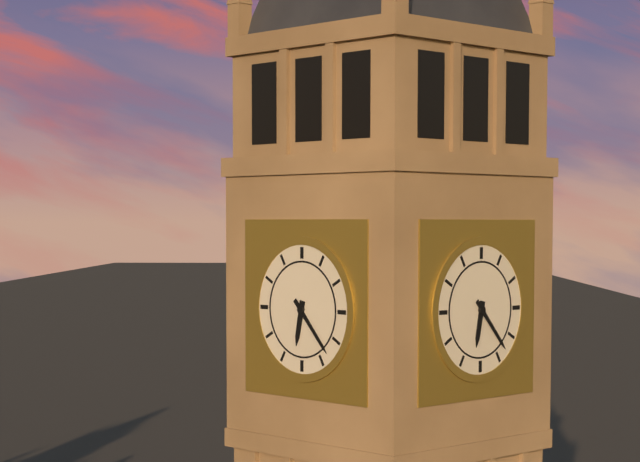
6h23
